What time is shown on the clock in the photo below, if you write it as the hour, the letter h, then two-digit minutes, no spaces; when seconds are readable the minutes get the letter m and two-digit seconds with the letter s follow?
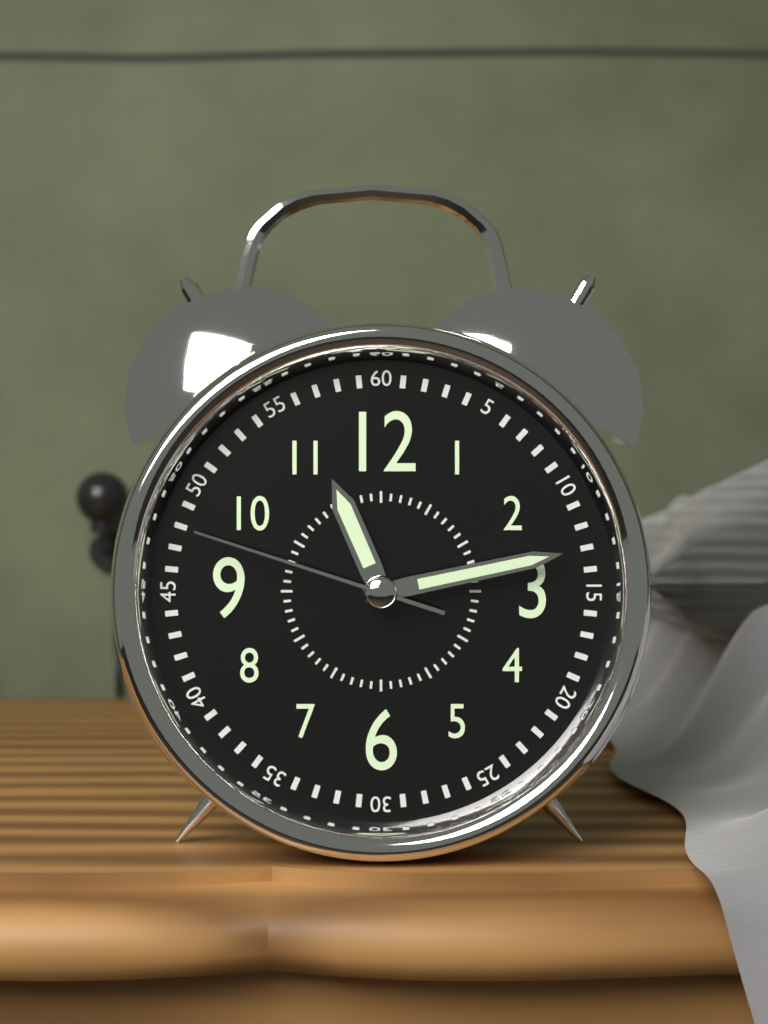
11h13m48s
